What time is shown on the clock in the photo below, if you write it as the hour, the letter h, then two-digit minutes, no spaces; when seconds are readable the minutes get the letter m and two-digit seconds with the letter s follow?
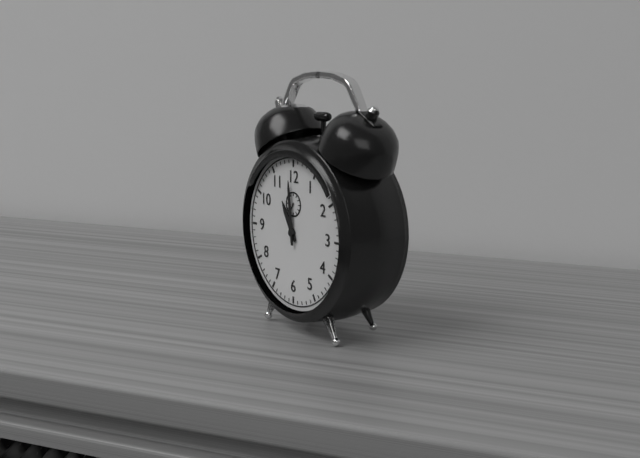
10h59
